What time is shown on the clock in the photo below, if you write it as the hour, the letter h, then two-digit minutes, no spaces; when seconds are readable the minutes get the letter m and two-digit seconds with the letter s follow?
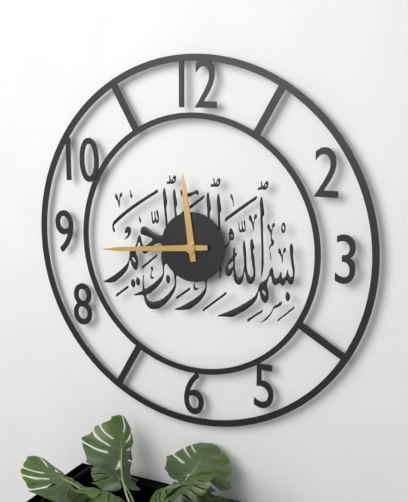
11h44
